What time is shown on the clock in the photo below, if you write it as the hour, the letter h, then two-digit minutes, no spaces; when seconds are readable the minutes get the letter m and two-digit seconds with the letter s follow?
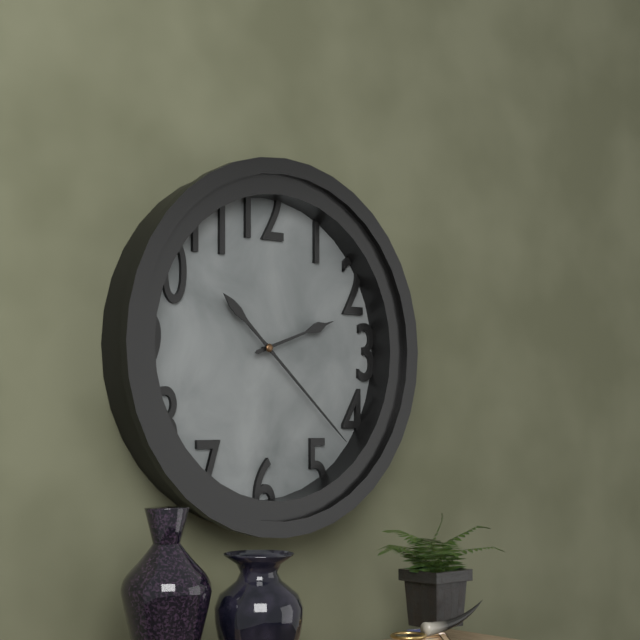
2h22
